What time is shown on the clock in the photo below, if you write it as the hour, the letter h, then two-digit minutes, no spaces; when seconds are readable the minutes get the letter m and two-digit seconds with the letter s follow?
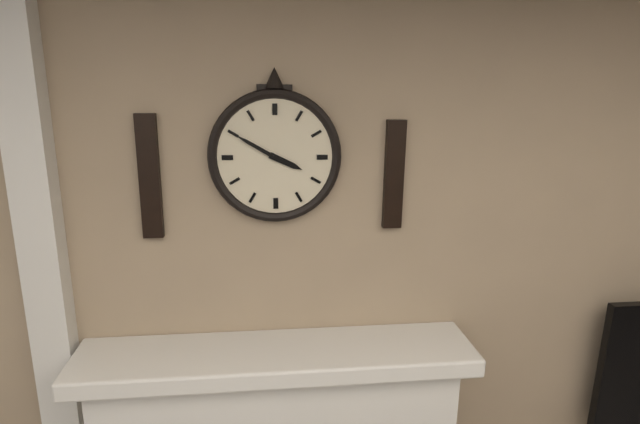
3h50
